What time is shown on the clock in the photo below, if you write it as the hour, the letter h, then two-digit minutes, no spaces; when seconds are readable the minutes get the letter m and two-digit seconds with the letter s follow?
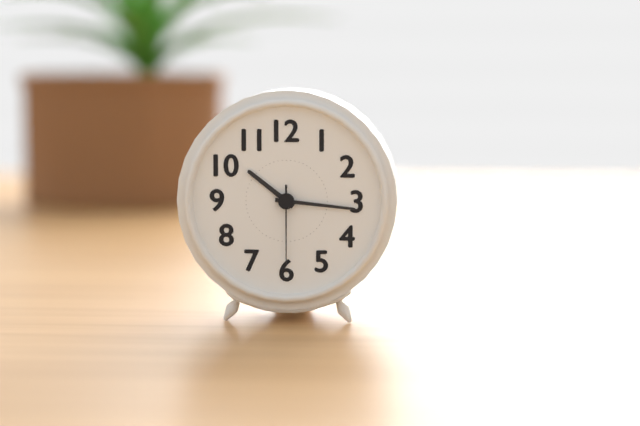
10h16m30s
